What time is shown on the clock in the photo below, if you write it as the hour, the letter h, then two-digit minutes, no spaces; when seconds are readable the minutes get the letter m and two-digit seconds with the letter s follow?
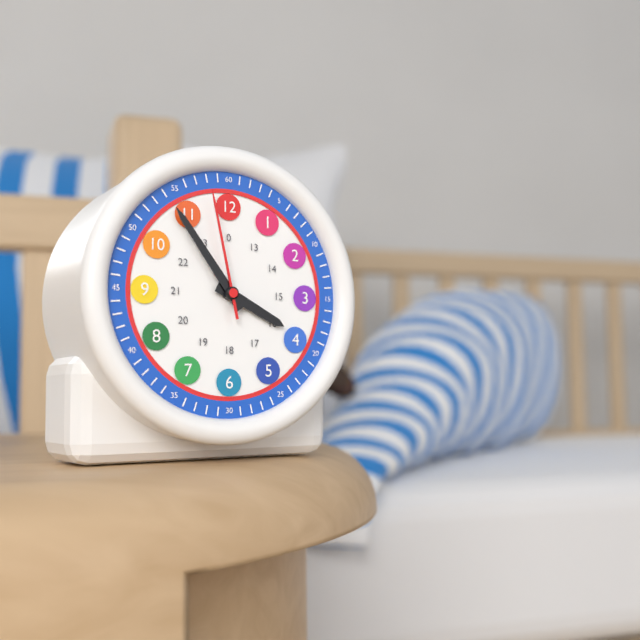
3h54m58s
